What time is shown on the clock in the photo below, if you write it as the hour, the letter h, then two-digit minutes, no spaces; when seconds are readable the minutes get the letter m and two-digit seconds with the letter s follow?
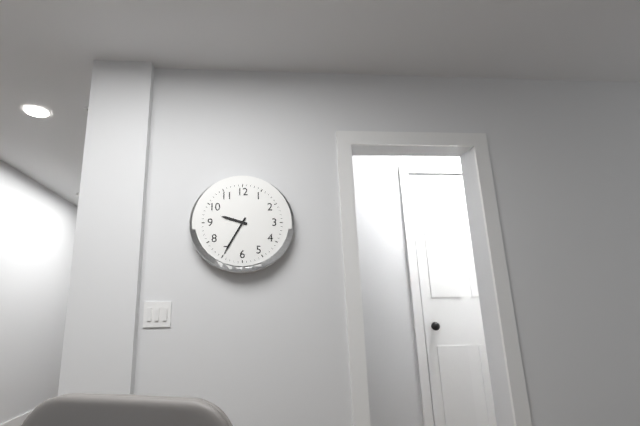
9h35
